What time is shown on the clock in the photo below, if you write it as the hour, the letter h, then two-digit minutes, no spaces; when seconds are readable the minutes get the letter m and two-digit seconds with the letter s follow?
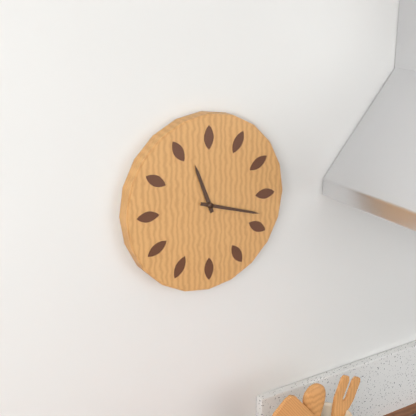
11h18
